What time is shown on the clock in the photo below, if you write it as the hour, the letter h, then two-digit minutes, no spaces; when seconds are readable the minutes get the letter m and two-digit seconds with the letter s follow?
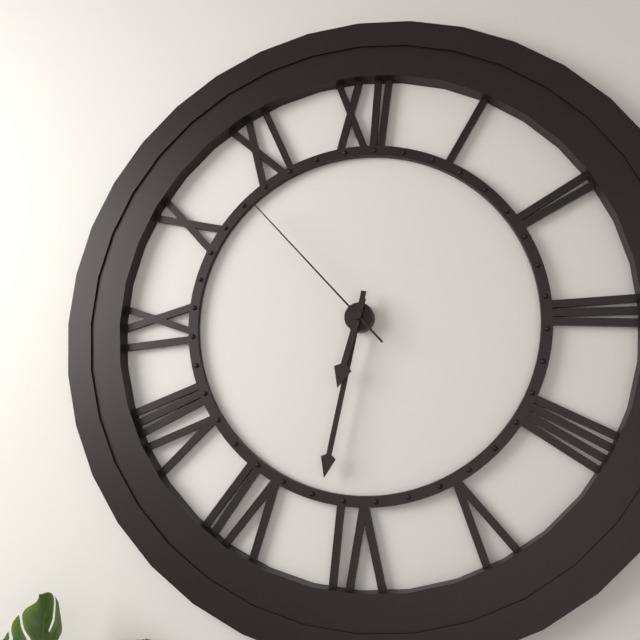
6h32m53s
